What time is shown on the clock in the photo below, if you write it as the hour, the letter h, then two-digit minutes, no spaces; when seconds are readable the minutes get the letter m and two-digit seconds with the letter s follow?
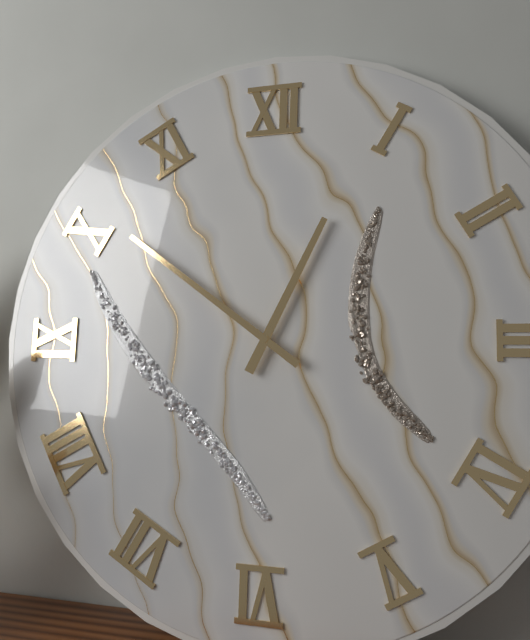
12h51
